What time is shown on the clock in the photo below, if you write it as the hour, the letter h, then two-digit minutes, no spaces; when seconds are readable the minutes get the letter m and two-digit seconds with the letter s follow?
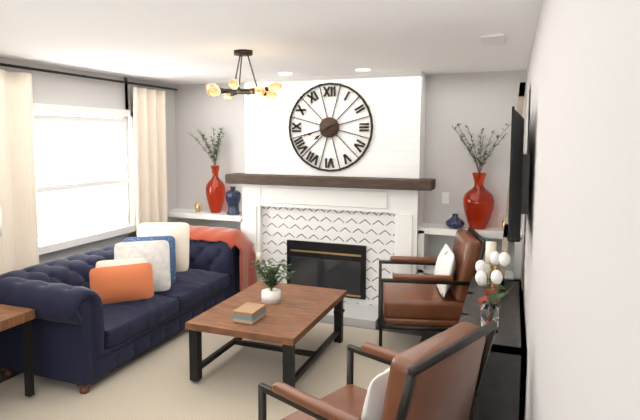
7h42
